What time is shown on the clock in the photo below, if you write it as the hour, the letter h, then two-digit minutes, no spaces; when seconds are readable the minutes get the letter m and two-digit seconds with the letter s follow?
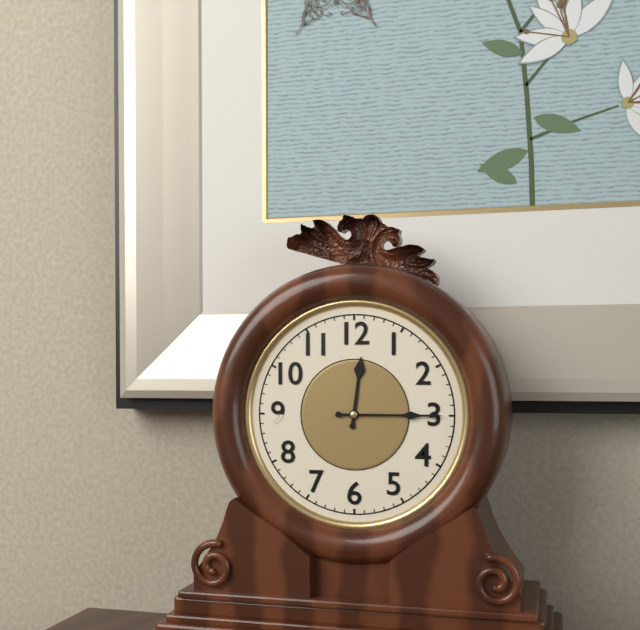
12h15
